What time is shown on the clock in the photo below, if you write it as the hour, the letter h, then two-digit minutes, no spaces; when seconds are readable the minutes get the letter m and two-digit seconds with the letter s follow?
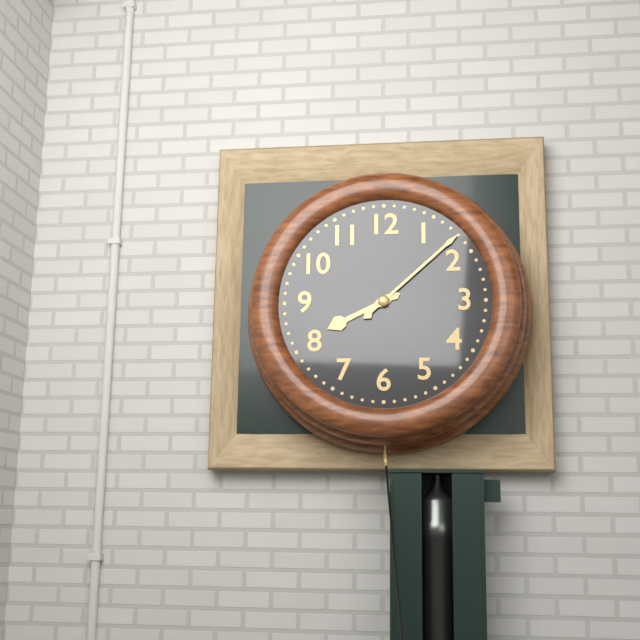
8h08
